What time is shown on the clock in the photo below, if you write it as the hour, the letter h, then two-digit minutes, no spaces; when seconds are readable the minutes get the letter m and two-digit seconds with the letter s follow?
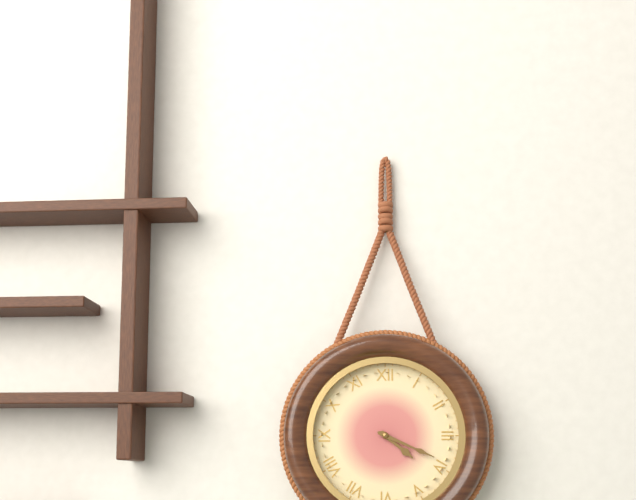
4h19
